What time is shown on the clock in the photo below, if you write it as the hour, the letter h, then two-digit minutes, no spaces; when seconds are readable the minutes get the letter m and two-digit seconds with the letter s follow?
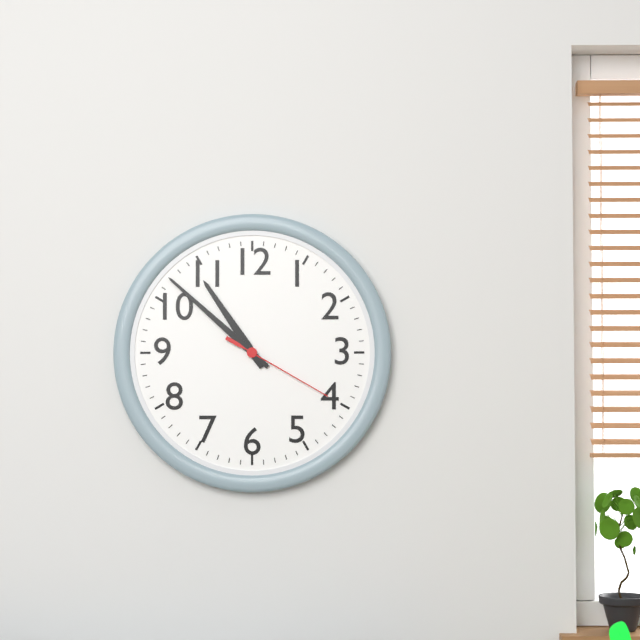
10h52m20s
